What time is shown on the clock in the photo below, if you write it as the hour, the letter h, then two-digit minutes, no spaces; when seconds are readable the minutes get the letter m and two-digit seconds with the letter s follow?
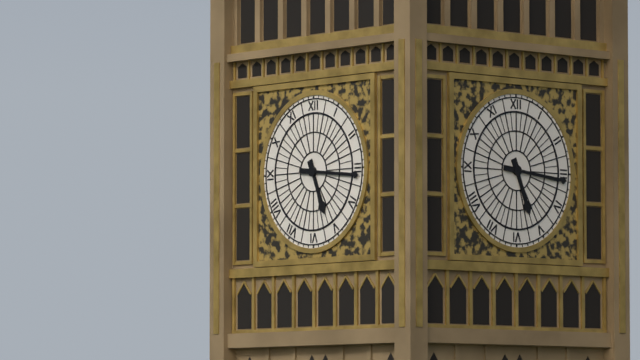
5h16
